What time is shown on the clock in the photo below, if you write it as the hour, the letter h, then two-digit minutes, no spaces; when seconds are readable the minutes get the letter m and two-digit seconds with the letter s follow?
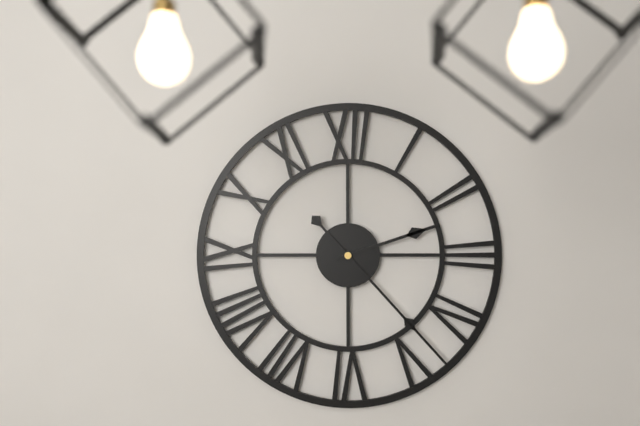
2h23
